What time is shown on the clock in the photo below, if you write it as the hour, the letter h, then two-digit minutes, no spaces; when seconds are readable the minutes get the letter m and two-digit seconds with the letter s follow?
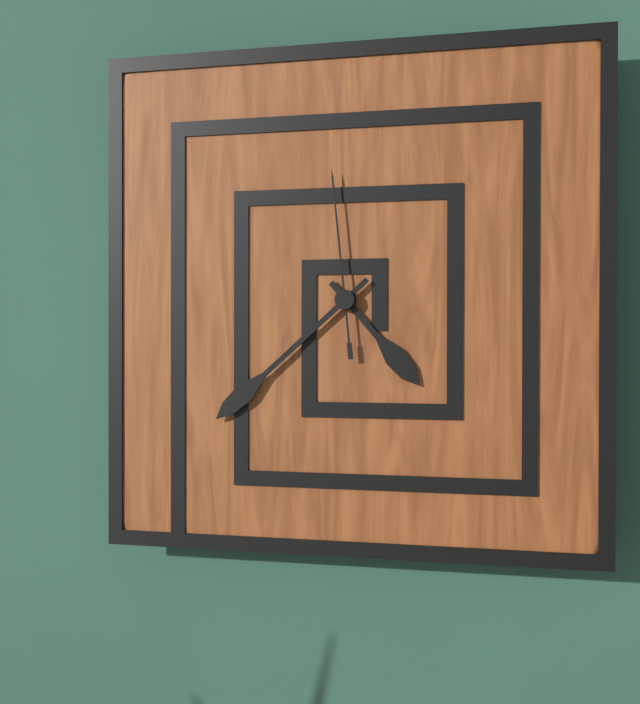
4h38m59s
